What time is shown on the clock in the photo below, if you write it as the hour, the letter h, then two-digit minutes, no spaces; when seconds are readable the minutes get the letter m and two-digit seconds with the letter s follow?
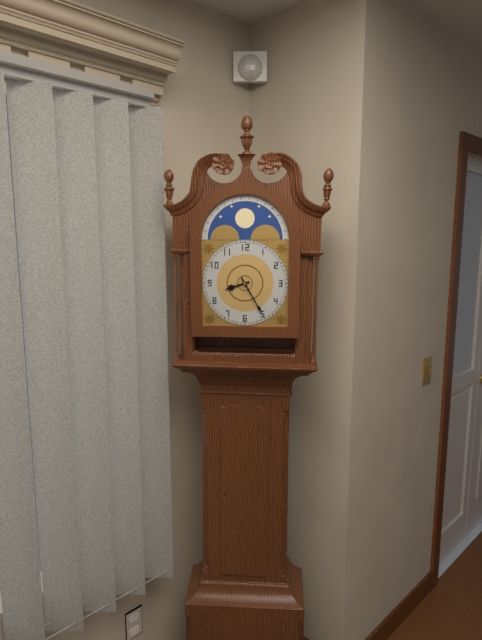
8h25
